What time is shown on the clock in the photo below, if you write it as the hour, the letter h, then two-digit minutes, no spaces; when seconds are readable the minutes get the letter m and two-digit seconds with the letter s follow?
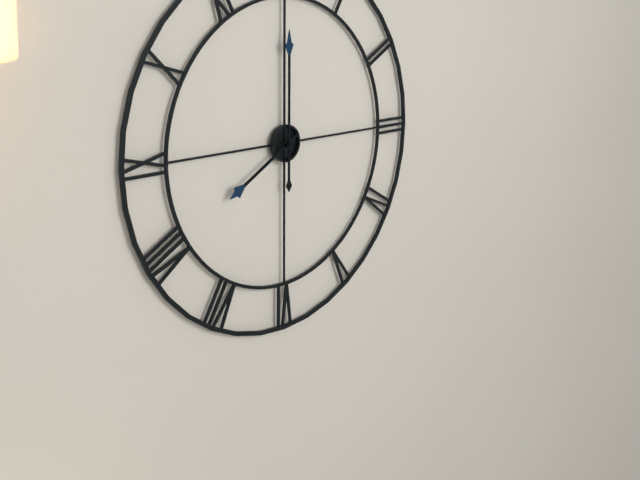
8h00
